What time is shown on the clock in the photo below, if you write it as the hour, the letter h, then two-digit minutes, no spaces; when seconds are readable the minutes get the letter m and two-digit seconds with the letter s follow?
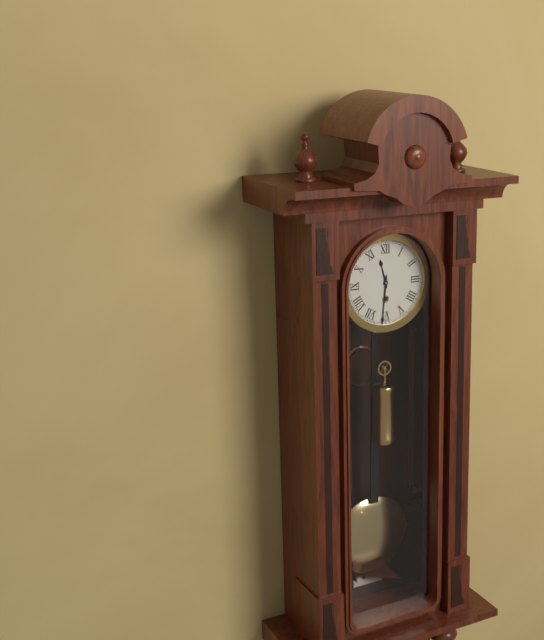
11h31
